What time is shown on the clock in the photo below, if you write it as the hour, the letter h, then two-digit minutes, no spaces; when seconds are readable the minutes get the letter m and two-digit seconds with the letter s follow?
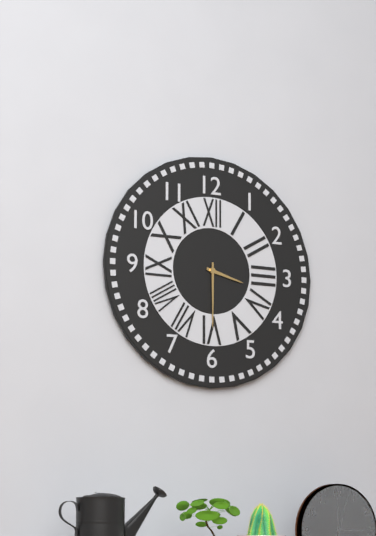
3h30
